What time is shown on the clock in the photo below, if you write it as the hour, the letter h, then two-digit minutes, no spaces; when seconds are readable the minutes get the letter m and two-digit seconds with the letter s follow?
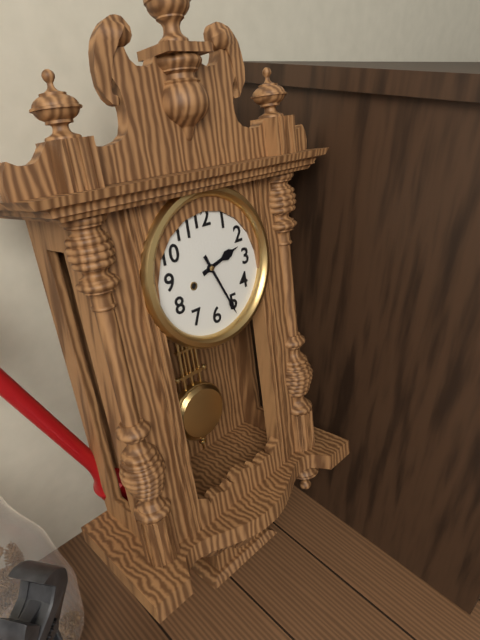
2h26
